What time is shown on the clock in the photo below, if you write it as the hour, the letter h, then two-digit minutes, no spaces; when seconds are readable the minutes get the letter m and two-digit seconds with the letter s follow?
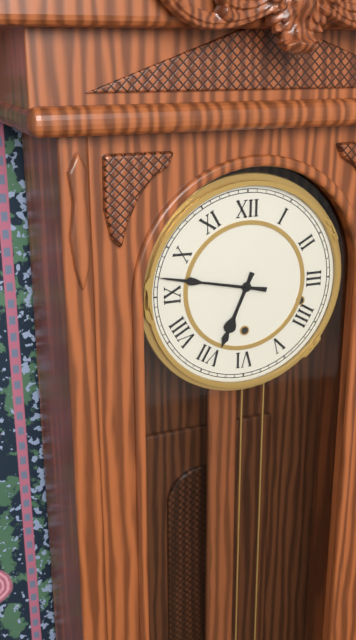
6h47
